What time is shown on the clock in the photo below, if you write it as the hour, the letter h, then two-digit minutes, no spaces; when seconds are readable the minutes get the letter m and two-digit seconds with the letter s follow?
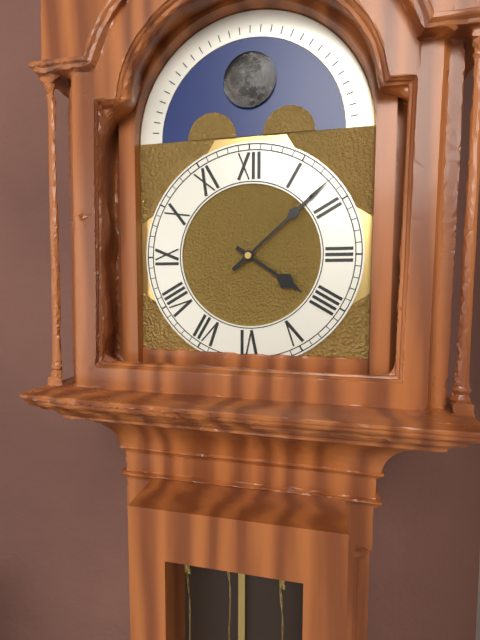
4h08
